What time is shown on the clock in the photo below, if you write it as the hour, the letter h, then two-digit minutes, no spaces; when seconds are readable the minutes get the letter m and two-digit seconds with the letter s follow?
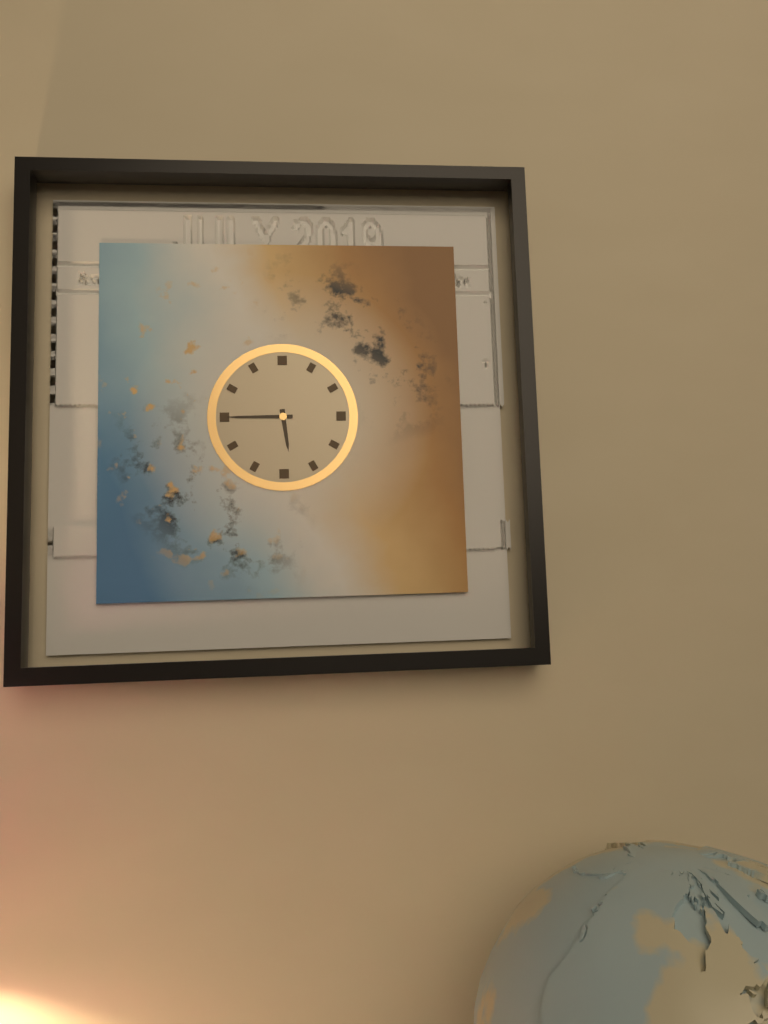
5h45
